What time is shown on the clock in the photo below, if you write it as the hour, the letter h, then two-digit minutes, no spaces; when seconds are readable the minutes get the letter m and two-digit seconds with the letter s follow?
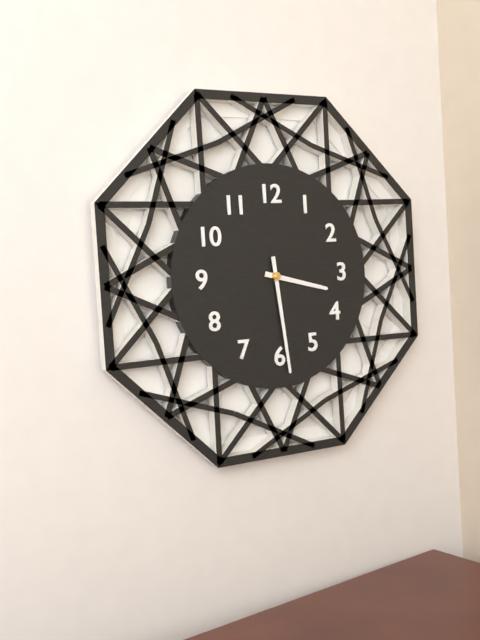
3h29
